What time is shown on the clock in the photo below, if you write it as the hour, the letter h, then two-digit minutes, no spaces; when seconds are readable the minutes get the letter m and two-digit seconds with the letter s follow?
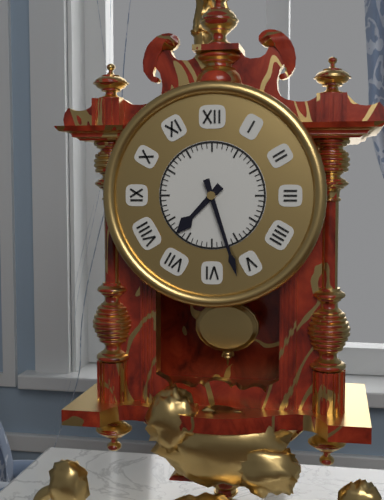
7h27
